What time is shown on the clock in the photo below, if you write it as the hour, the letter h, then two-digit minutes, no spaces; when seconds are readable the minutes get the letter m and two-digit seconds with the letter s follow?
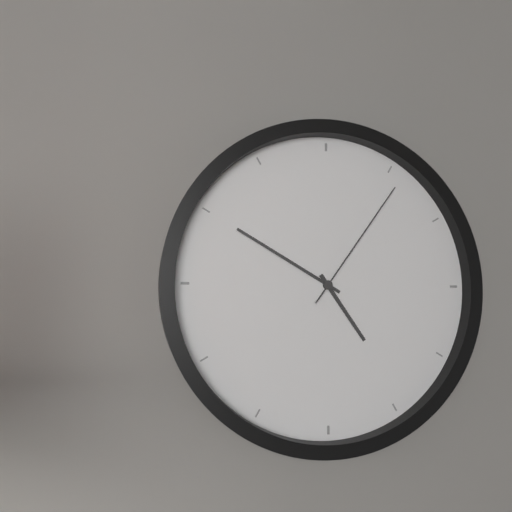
4h50m06s
